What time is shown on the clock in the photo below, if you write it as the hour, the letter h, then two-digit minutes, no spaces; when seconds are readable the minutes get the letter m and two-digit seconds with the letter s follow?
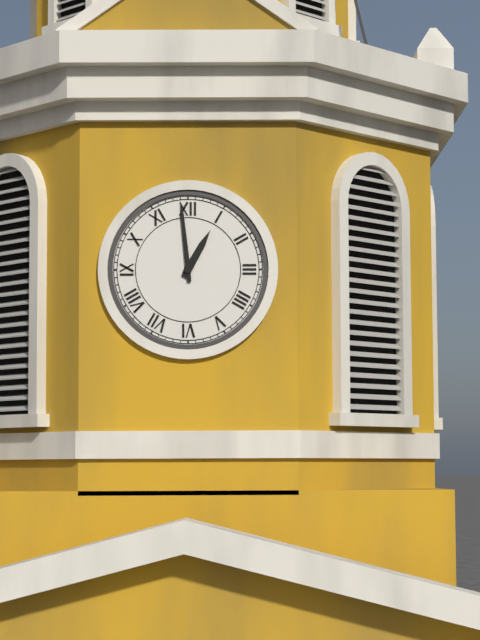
12h59
